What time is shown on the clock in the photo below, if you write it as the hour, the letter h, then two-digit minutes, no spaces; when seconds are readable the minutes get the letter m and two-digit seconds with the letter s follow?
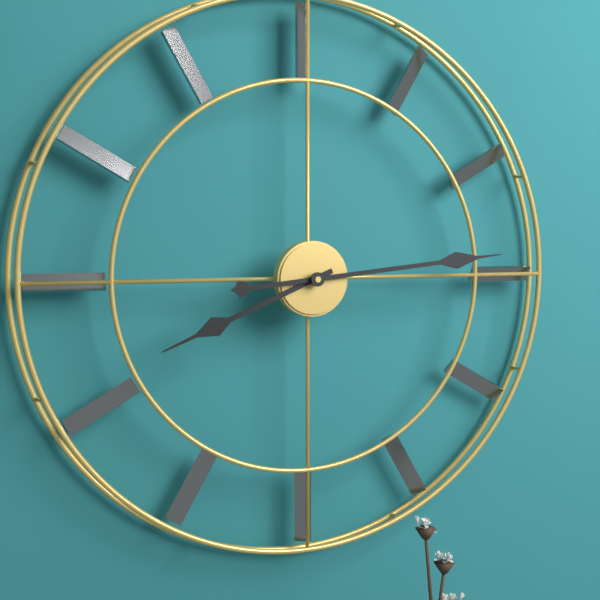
8h14
